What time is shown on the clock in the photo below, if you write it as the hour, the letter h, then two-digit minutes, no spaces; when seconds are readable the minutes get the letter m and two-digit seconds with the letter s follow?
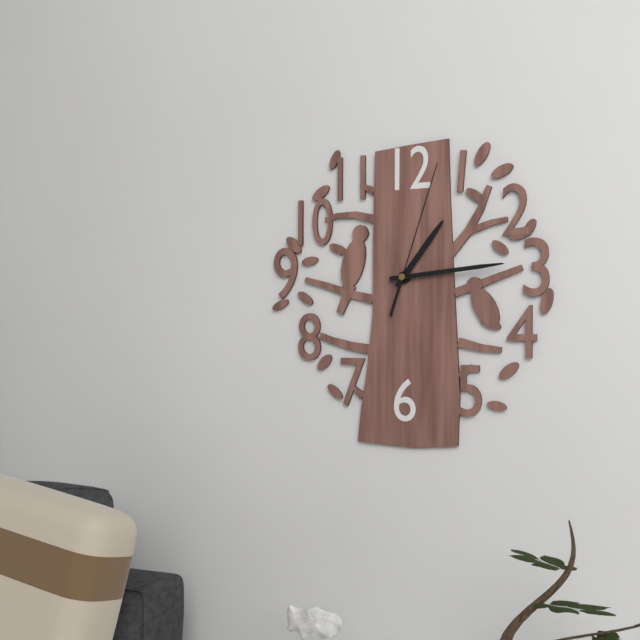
1h14m03s
